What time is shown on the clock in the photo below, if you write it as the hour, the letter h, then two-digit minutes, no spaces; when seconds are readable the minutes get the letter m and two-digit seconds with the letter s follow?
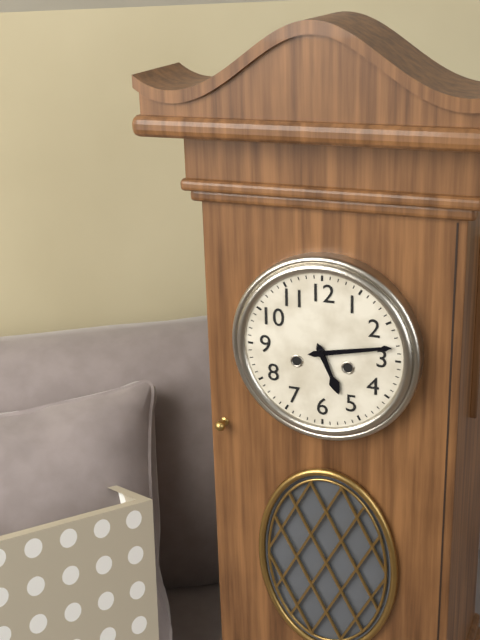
5h13
